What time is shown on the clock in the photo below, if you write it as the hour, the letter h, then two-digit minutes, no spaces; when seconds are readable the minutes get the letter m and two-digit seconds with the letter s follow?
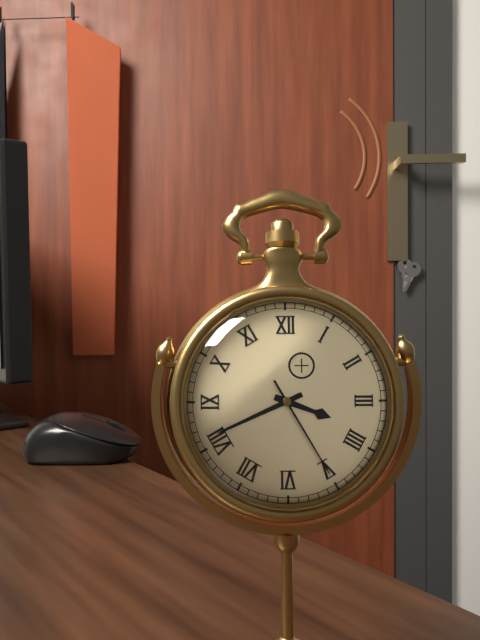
3h41m25s
